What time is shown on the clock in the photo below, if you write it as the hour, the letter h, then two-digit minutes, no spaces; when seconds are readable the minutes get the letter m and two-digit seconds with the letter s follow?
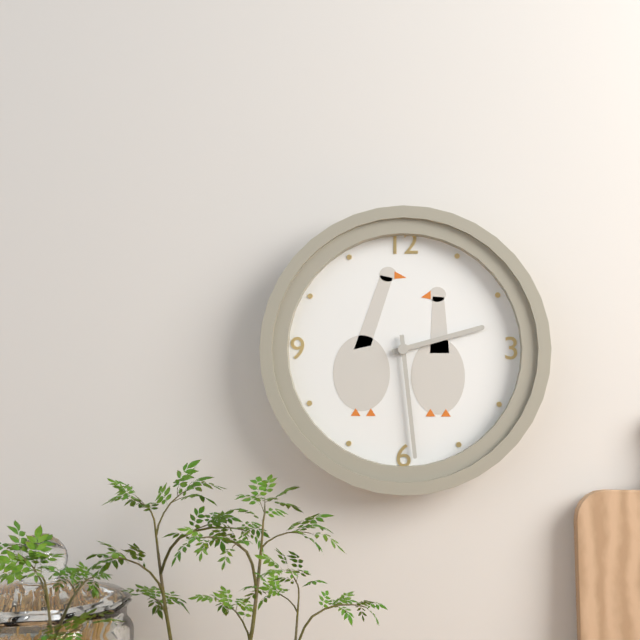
2h29
